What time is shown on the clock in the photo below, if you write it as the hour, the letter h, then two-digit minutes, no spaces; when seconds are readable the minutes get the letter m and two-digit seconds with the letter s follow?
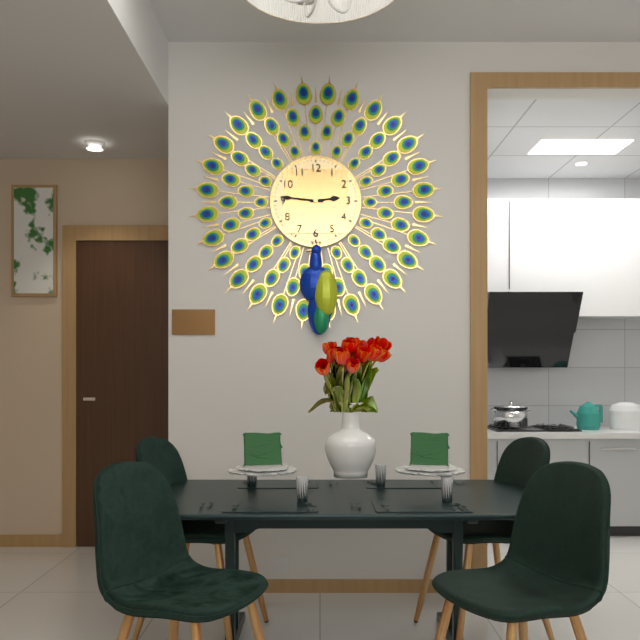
2h46
